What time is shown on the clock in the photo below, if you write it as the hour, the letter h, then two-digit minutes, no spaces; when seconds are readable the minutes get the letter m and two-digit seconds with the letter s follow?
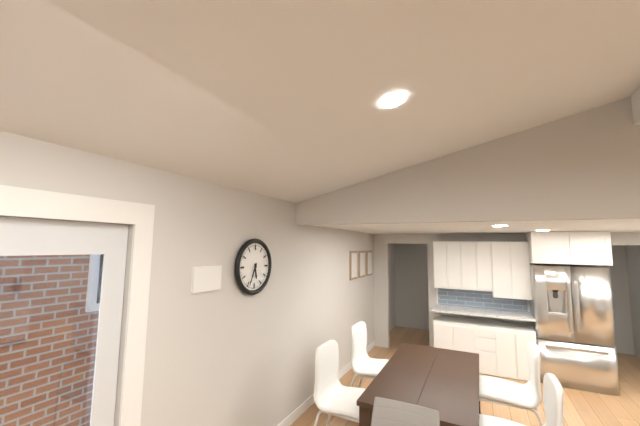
5h34
